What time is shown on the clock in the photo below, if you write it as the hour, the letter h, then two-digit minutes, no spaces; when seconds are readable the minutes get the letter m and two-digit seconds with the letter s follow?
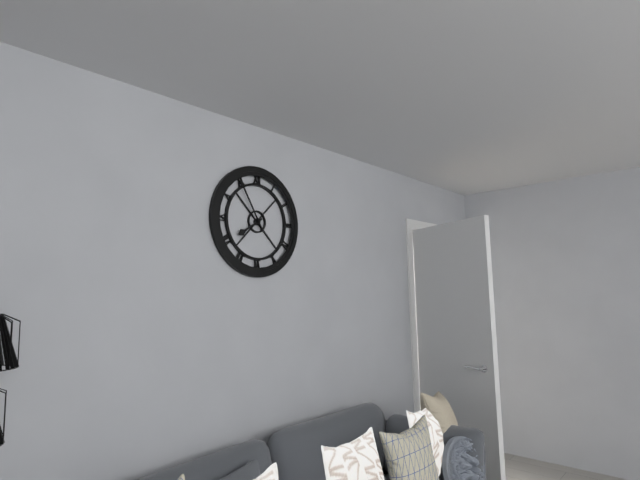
7h55
